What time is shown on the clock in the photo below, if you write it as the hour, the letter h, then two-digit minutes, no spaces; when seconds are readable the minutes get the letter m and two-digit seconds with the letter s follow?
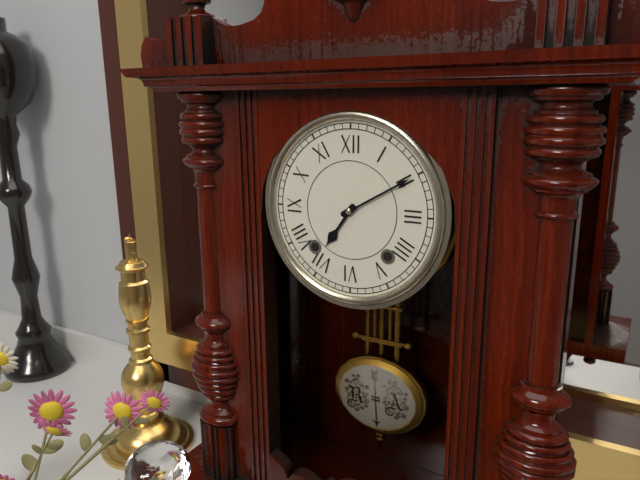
7h10
